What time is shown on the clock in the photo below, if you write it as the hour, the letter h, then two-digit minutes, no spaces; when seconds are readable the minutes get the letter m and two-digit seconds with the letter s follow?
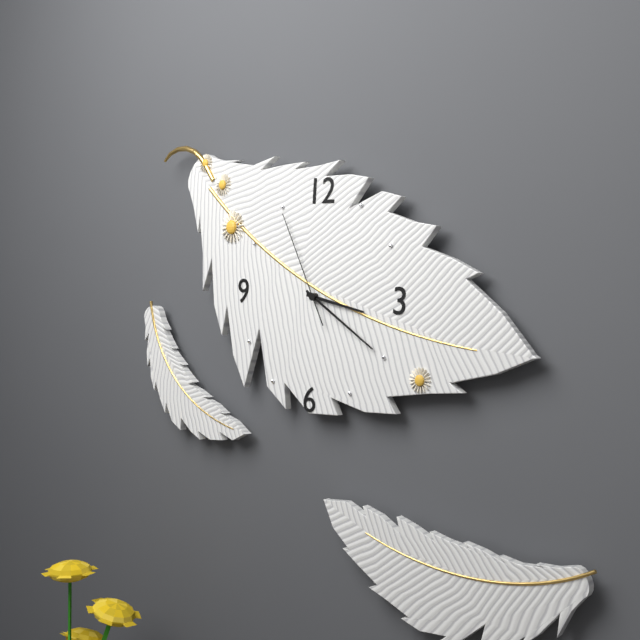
3h20m55s
